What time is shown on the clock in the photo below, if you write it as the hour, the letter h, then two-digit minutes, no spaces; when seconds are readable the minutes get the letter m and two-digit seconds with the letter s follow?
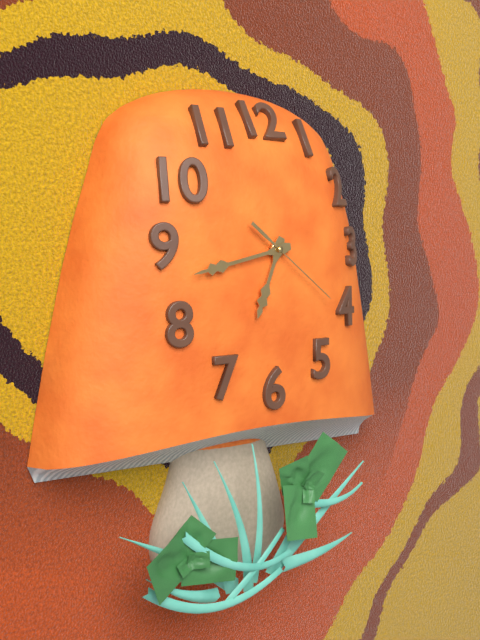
6h43m21s
